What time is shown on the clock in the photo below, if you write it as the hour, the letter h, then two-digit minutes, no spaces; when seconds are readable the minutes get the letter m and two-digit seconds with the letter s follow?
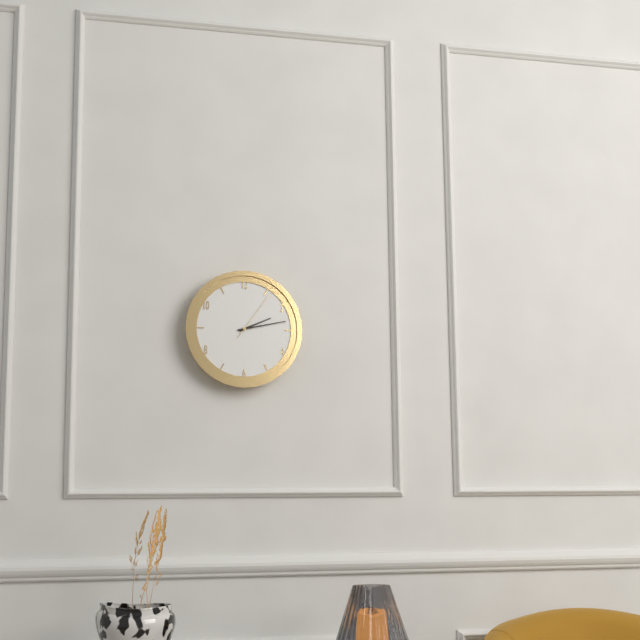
2h13m06s
